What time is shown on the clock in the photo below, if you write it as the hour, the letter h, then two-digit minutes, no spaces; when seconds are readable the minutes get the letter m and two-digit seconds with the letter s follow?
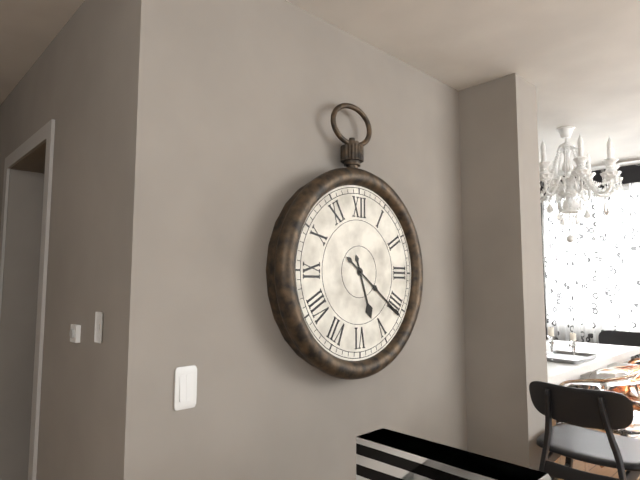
5h21
